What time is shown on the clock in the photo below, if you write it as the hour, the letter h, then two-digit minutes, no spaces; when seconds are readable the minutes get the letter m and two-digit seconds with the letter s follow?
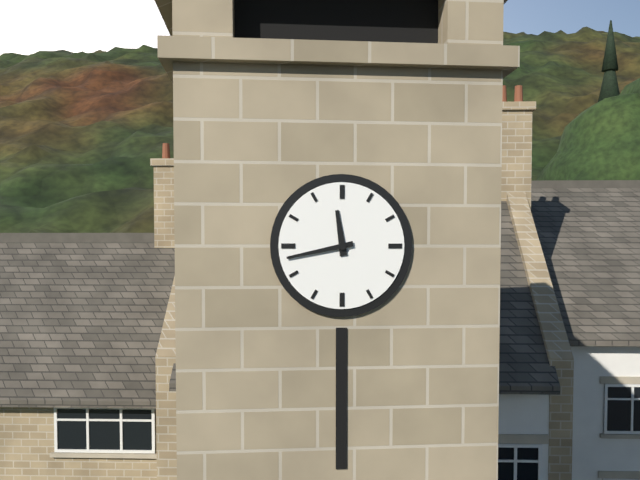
11h43
